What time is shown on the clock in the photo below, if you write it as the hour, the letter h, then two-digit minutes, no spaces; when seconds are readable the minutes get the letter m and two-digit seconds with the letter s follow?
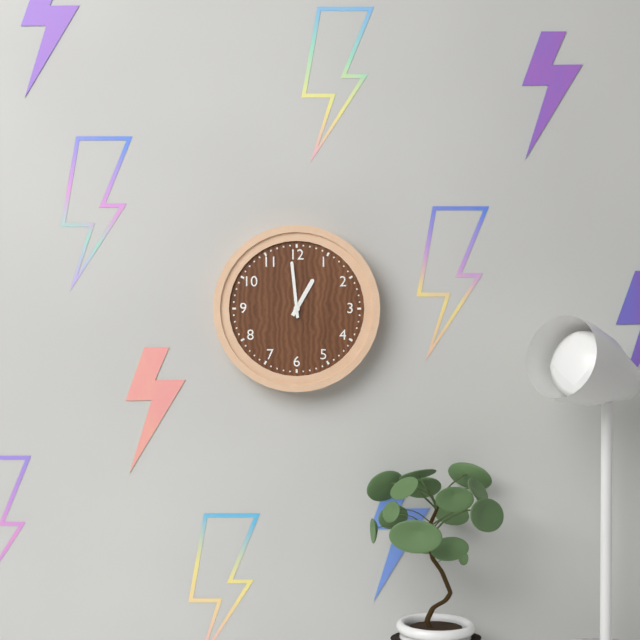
12h59
